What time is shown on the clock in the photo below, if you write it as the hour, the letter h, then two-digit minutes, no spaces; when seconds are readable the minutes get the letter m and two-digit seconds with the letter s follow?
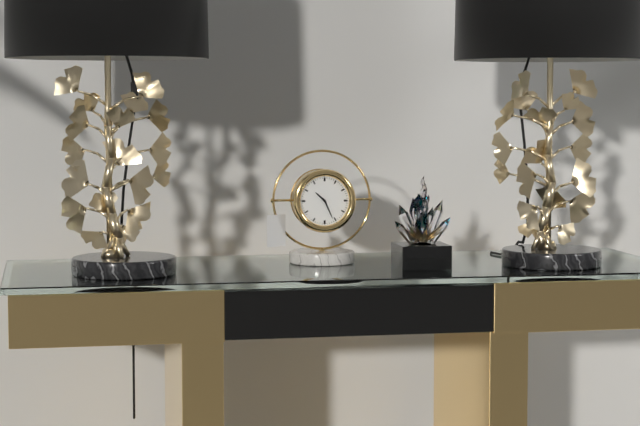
10h26
